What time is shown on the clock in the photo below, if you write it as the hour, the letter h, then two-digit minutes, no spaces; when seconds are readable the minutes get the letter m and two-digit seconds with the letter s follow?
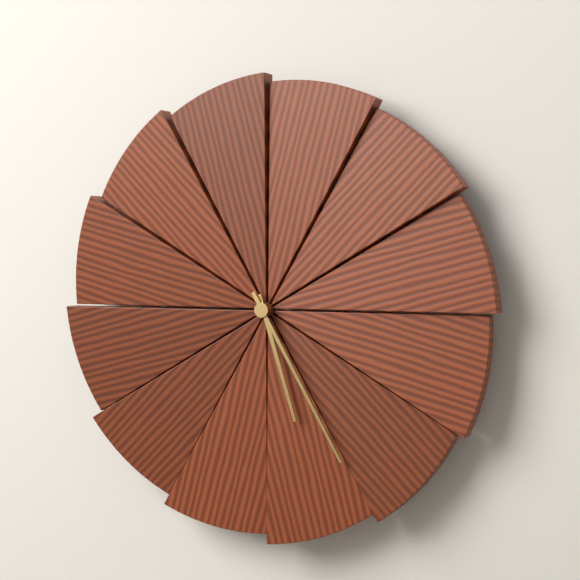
5h25
